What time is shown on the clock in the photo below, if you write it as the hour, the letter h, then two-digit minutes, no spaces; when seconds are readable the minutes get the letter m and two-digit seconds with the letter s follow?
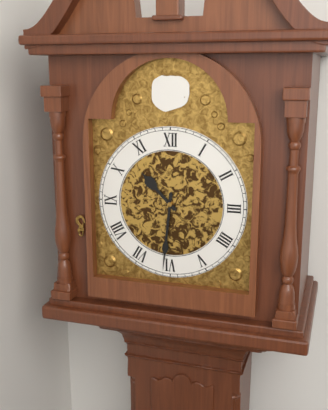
10h31
